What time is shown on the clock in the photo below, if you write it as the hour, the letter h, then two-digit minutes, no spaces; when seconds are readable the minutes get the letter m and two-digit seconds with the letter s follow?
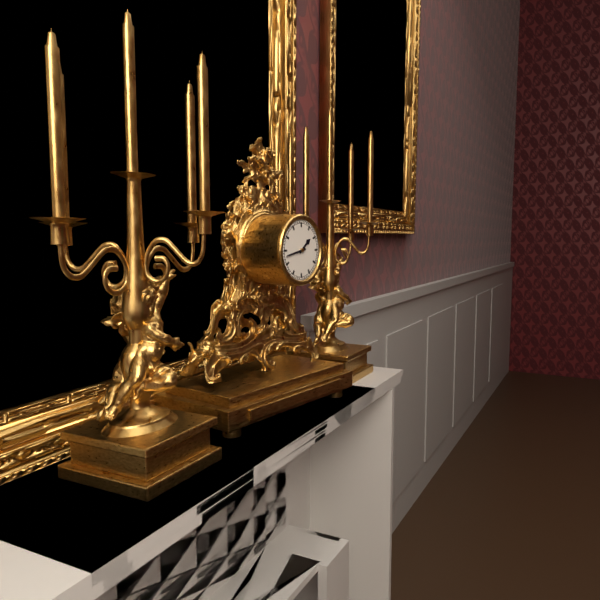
1h43
